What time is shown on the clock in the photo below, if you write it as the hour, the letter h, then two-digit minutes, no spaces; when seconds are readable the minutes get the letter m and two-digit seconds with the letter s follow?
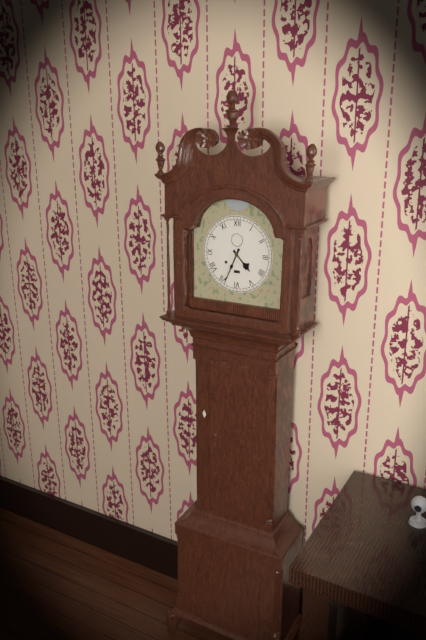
4h34
